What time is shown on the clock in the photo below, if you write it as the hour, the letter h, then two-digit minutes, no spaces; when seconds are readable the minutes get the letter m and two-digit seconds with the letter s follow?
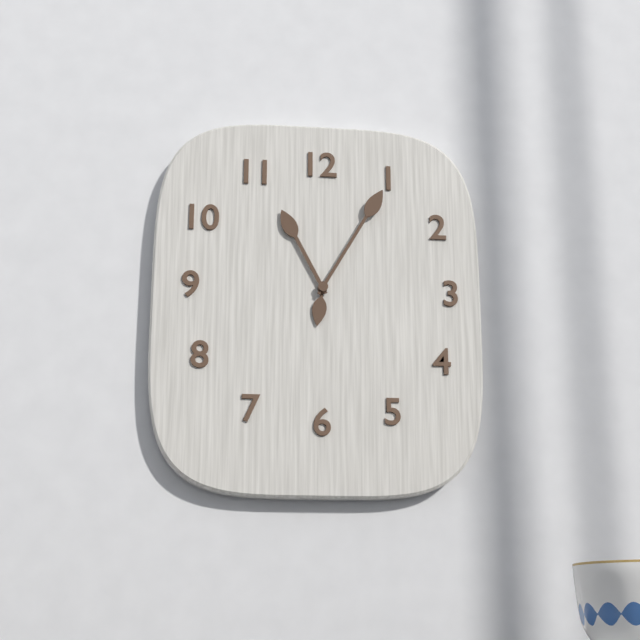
11h05
